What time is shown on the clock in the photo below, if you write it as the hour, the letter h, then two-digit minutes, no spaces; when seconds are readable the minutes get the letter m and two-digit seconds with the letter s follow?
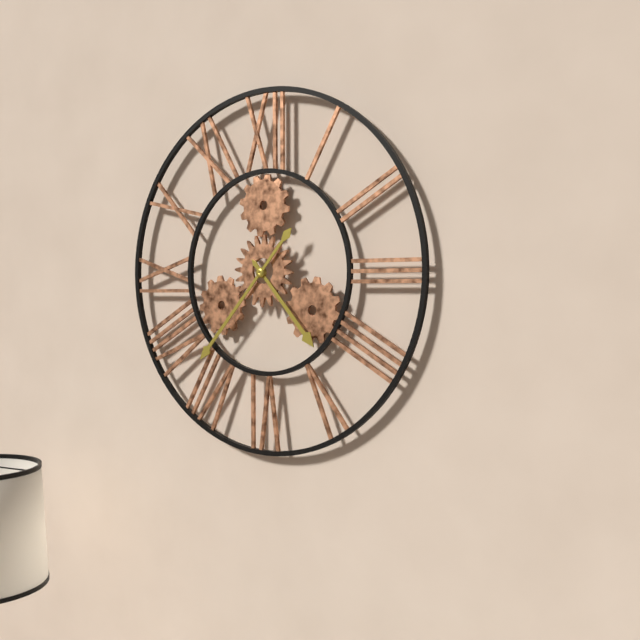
4h37
